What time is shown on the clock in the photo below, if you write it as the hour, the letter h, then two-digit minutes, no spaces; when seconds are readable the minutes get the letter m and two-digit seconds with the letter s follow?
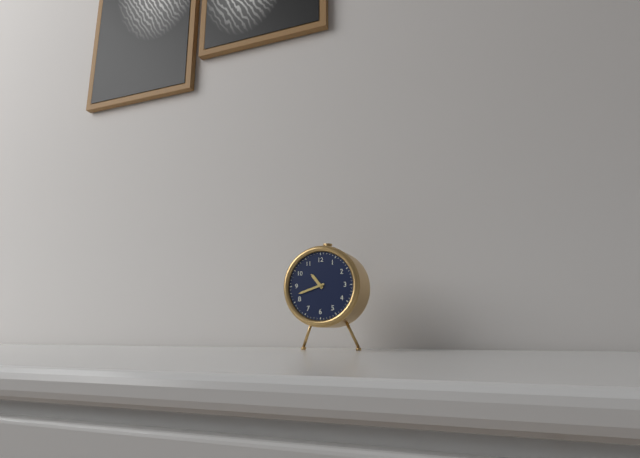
10h42
